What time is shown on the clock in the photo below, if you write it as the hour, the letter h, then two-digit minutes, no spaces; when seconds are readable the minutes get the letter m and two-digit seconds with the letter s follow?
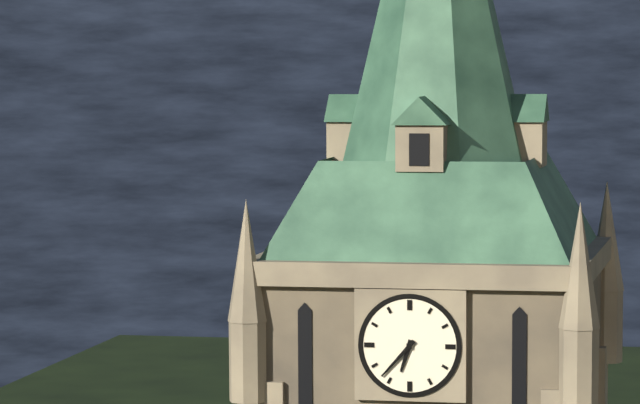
6h37
